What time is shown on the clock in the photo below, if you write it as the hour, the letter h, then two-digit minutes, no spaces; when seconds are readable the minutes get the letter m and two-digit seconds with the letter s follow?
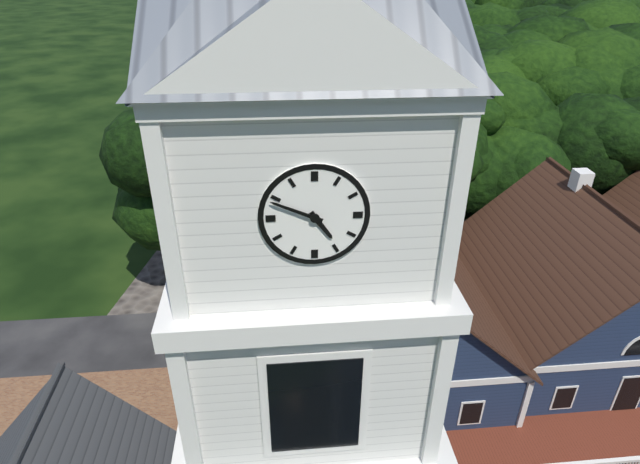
4h49
